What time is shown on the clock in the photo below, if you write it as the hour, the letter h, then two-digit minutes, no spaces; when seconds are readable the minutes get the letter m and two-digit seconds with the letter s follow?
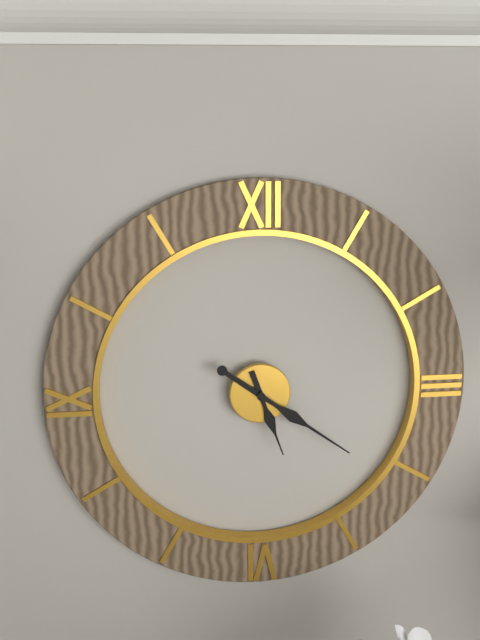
5h21
